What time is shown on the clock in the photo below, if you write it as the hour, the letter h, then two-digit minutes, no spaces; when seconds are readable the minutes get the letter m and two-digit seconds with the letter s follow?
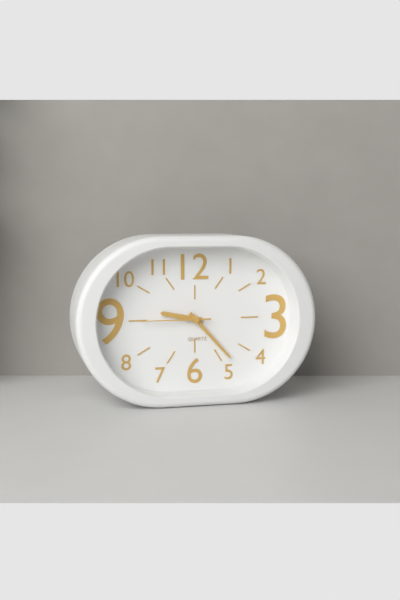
9h23m45s
